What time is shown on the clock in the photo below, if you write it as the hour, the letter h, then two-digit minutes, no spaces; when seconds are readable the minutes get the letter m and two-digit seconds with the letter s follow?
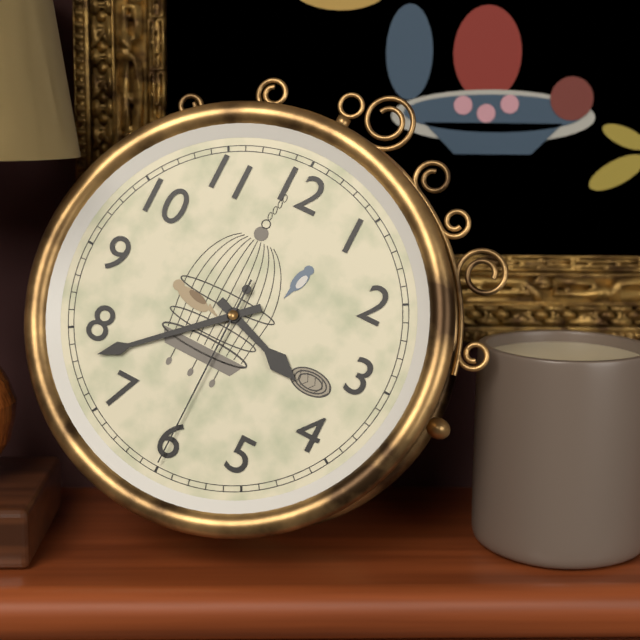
3h38m30s
